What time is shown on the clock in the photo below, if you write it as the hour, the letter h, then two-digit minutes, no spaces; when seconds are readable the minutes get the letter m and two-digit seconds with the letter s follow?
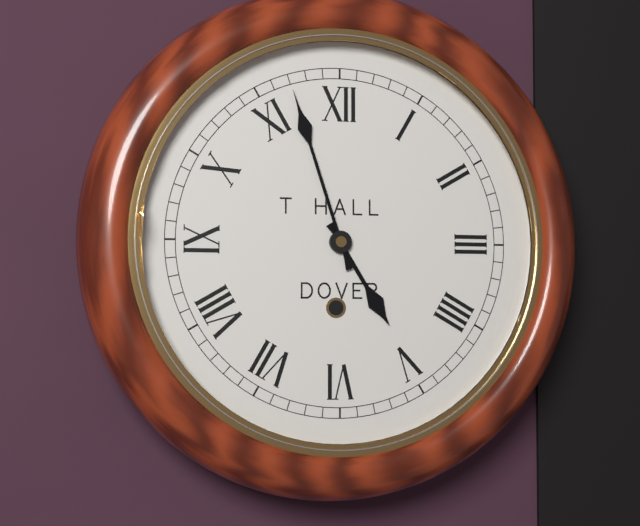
4h57
